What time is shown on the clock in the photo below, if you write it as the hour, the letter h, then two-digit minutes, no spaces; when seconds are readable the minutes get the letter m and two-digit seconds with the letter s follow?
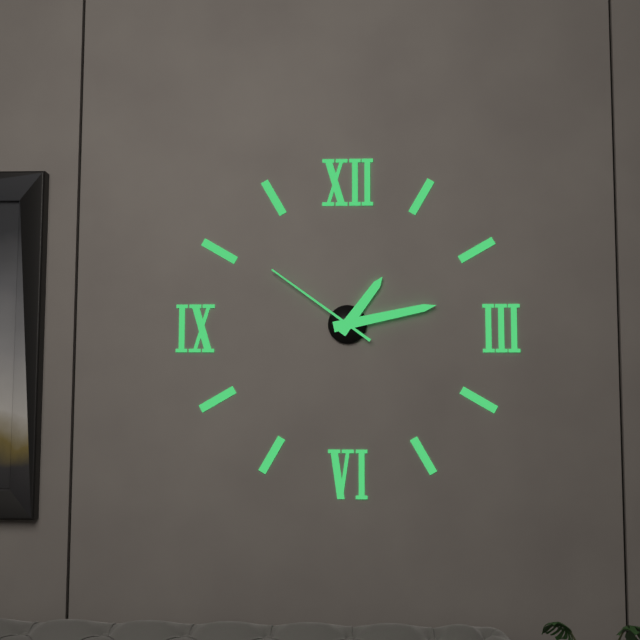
1h13m51s
